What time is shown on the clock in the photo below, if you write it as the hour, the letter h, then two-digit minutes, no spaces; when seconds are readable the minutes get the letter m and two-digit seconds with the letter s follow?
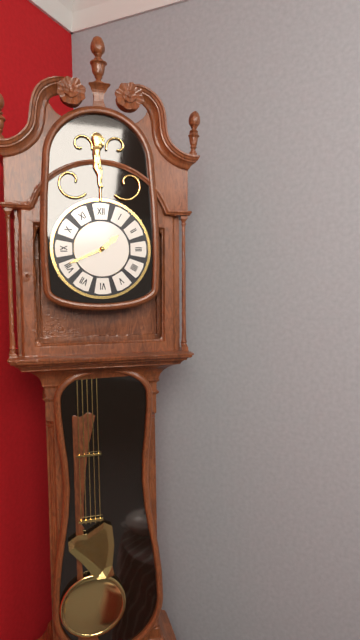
1h41
